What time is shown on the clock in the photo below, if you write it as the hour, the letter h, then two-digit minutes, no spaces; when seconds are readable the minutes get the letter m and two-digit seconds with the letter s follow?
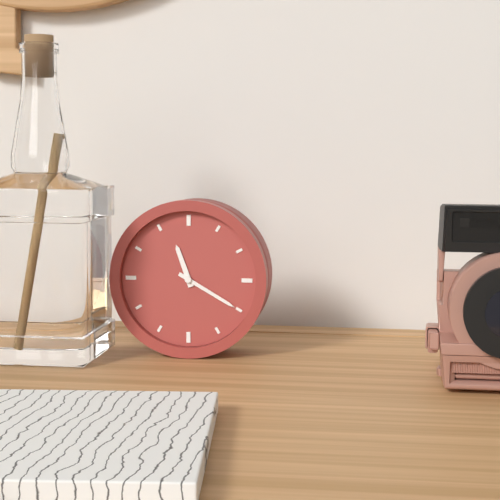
11h20
